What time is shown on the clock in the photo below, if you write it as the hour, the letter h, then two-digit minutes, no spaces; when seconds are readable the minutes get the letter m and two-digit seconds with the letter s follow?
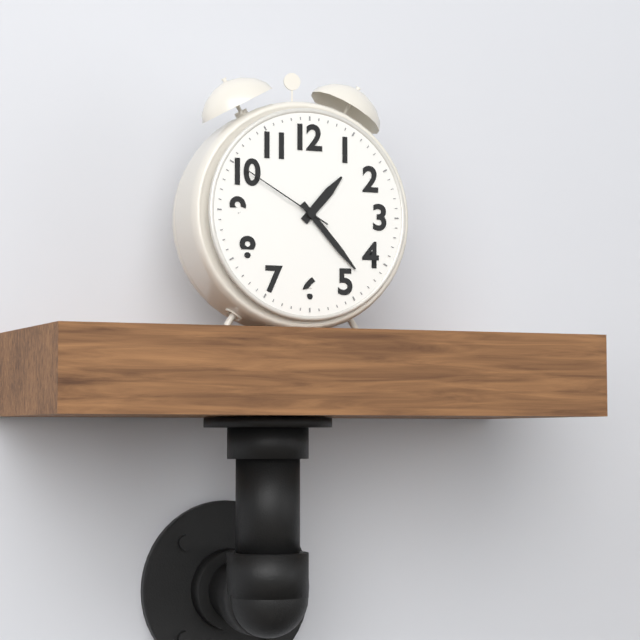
1h23m50s
